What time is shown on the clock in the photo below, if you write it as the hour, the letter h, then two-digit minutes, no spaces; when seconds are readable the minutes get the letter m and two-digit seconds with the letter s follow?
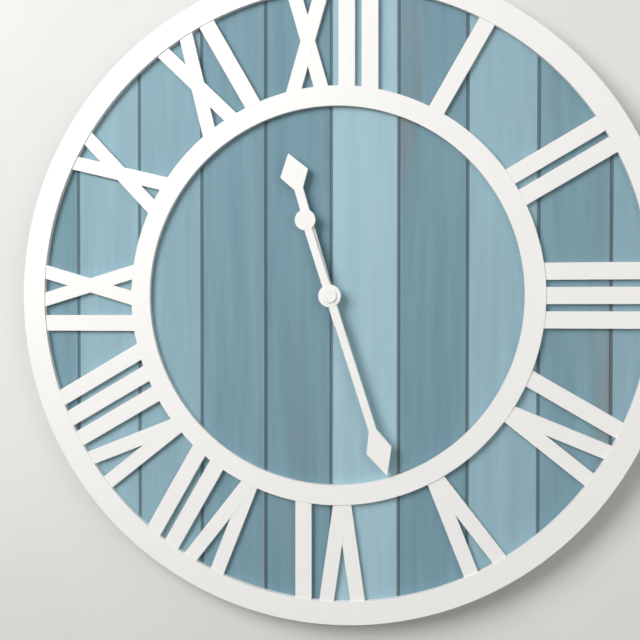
11h27
